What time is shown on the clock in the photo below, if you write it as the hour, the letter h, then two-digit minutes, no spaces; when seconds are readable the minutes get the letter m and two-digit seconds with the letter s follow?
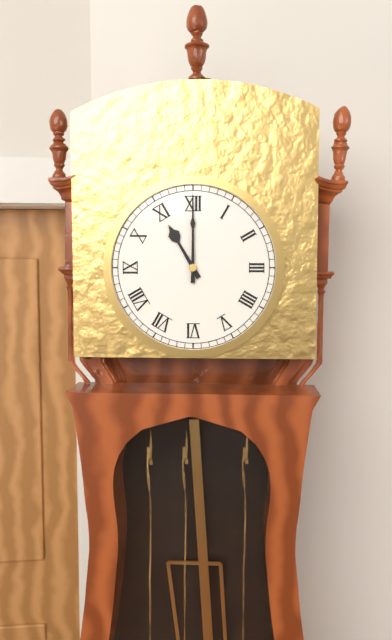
11h00
